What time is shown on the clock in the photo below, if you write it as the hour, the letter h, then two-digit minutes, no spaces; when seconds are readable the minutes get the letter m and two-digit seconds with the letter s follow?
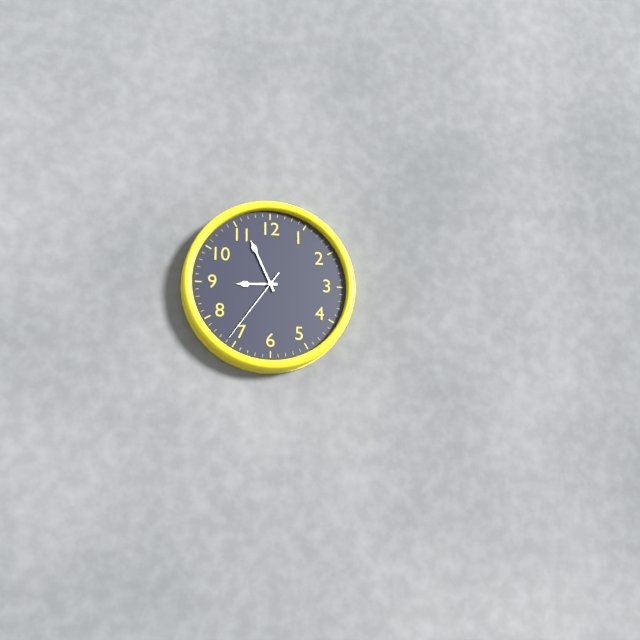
8h56m36s
